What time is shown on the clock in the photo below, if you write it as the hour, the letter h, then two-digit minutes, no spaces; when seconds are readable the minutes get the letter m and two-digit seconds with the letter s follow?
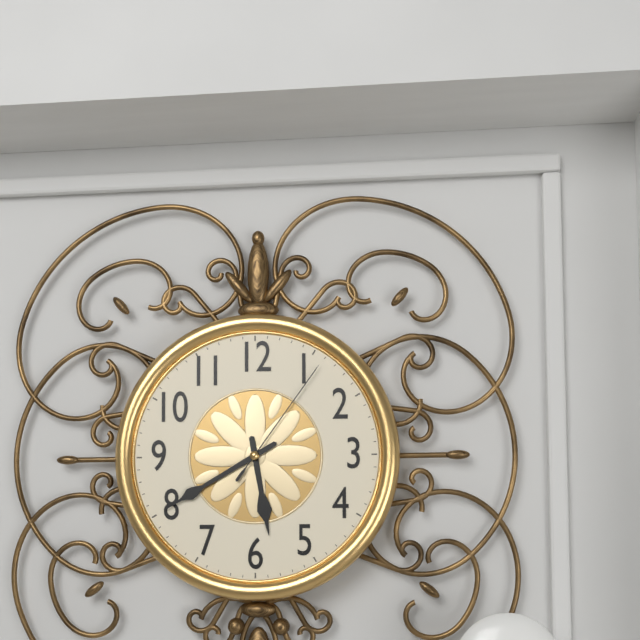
5h40m06s
